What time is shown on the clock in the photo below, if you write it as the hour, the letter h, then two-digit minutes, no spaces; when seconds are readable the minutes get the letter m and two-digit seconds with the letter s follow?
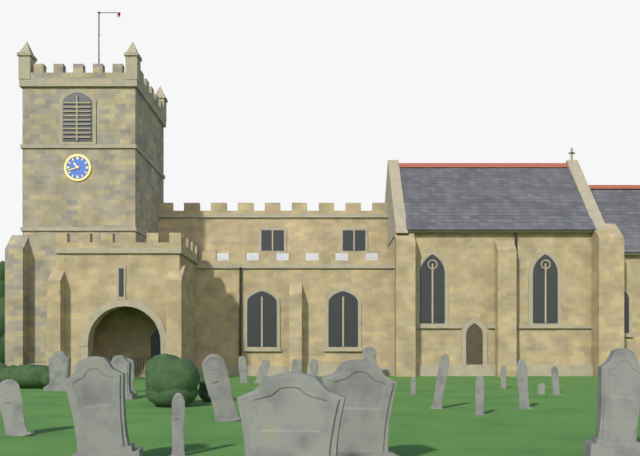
10h42
